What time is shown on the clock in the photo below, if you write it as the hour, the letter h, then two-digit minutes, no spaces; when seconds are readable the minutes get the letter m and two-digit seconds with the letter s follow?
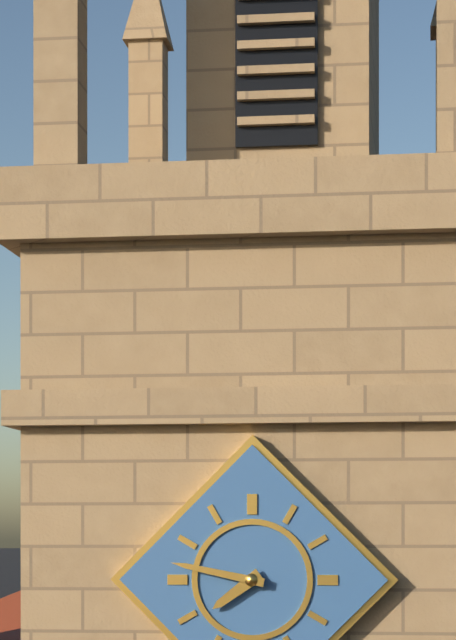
7h47
